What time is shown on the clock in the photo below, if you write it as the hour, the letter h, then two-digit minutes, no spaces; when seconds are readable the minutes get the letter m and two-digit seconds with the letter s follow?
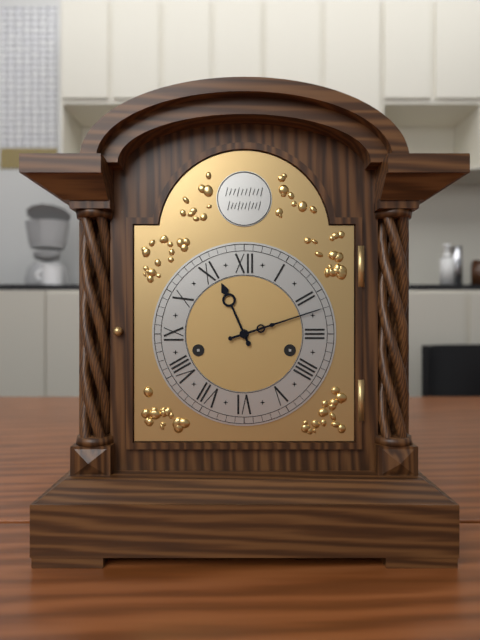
11h12
